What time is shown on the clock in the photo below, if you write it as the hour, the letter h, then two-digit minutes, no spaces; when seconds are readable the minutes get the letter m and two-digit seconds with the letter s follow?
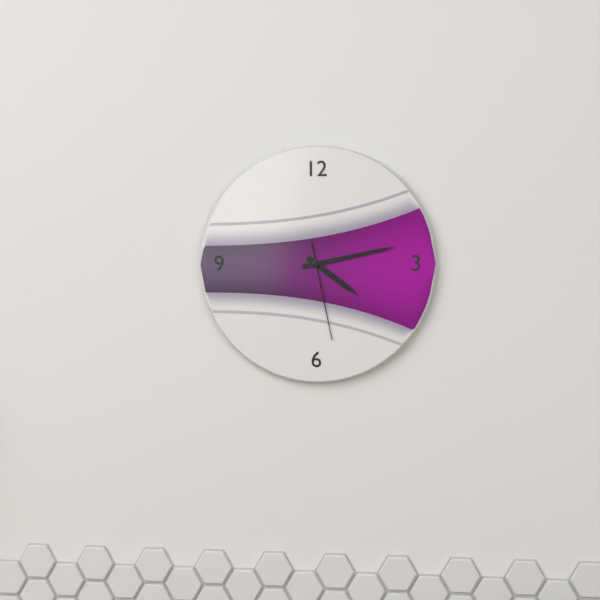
4h13m28s
